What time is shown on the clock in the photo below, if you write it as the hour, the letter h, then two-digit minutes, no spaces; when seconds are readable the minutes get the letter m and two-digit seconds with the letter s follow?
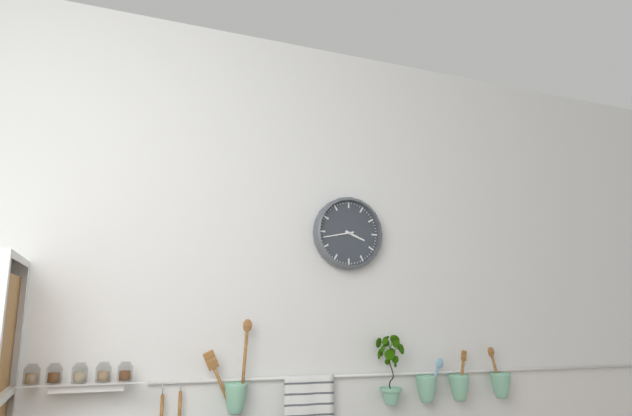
3h43
